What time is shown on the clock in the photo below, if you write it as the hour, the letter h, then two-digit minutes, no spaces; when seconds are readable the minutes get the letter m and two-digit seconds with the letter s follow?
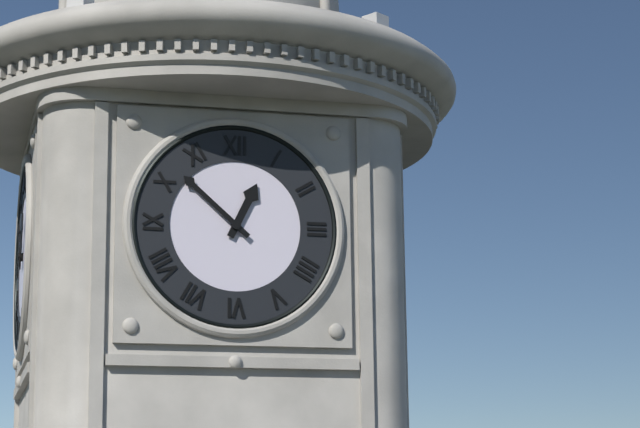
12h52
